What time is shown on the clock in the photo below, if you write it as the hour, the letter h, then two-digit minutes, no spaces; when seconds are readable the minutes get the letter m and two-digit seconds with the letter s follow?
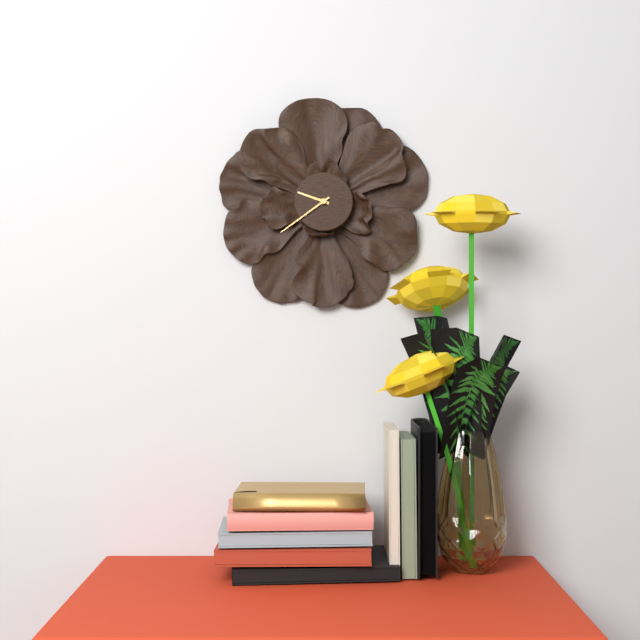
9h39
